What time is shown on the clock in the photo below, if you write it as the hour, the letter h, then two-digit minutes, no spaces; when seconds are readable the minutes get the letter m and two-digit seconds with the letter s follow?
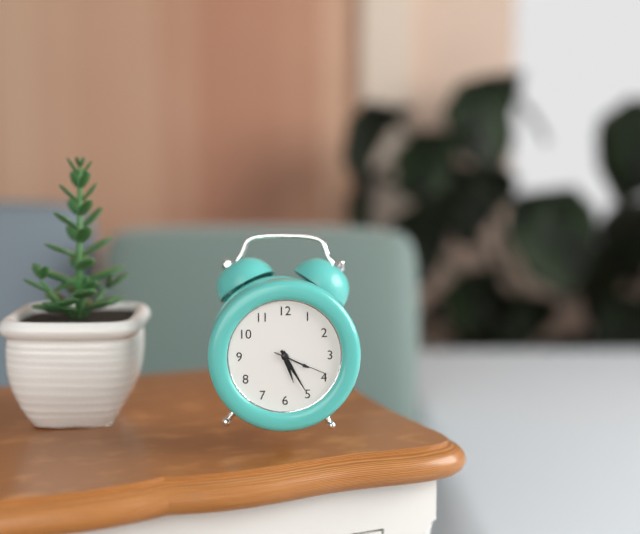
5h25m19s
